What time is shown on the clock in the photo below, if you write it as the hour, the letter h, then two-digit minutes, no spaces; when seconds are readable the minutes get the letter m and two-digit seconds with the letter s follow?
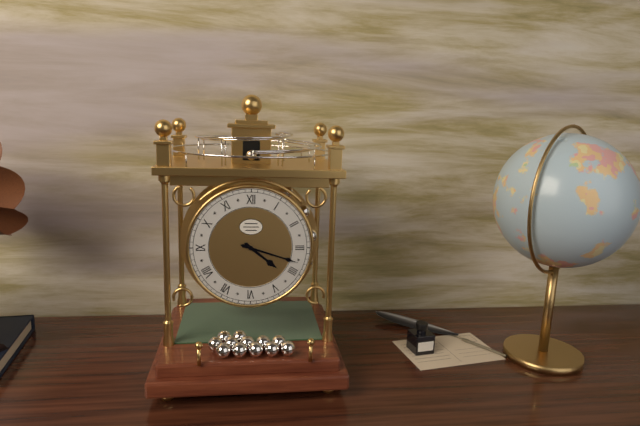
4h18
